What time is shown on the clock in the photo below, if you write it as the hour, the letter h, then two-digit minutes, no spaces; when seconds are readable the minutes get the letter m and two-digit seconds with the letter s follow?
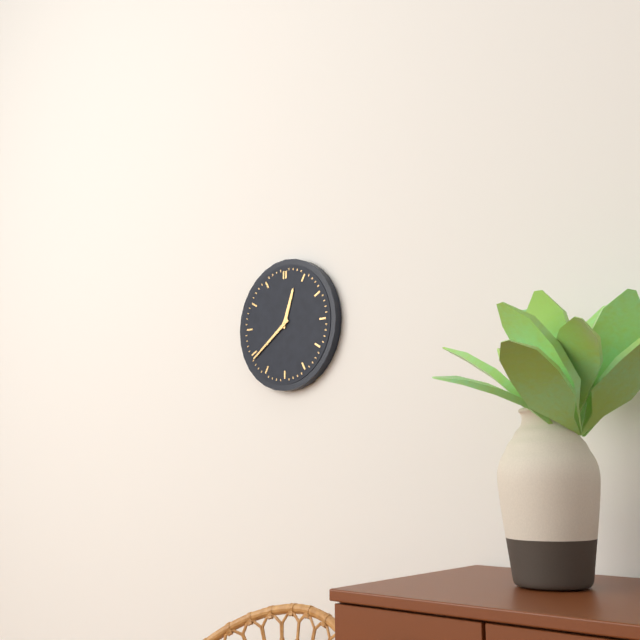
12h39
